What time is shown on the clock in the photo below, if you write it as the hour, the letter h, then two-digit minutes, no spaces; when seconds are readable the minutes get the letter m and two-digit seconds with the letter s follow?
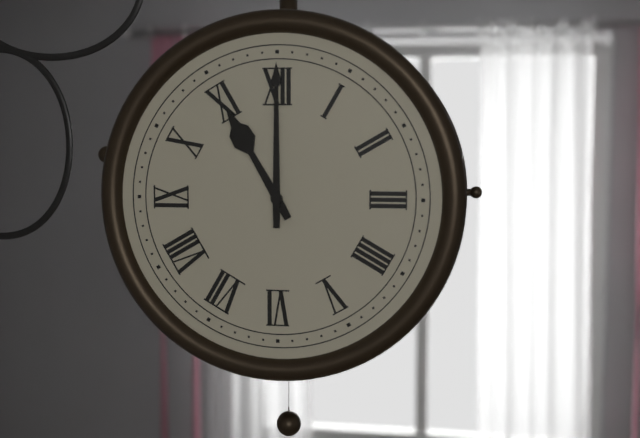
11h00
